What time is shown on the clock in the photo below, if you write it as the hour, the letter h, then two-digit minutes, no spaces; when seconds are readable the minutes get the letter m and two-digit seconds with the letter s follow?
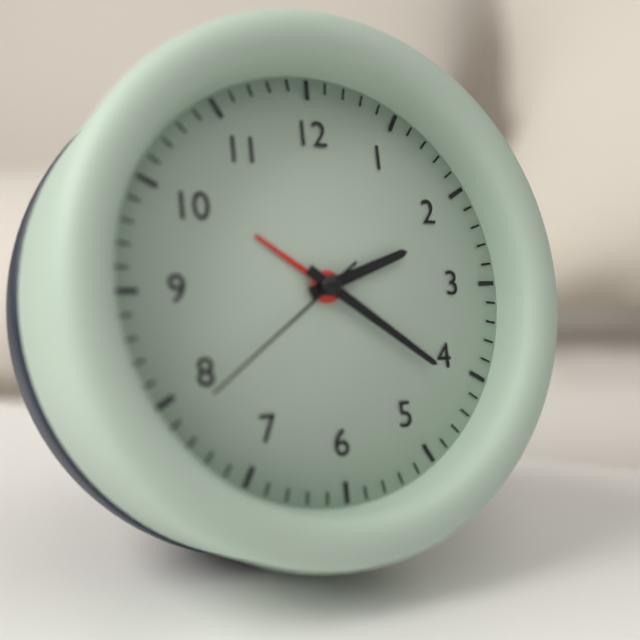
2h21m39s
